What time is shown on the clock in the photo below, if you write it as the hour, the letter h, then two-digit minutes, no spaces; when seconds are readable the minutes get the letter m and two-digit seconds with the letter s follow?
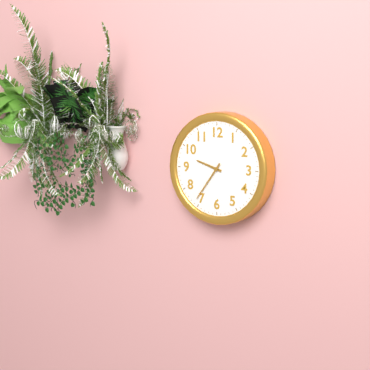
9h36
